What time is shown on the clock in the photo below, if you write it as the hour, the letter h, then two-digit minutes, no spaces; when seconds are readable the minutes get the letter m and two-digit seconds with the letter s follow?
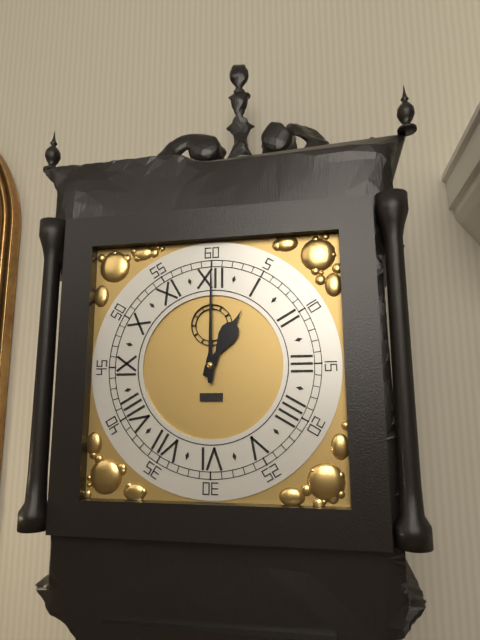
1h00
